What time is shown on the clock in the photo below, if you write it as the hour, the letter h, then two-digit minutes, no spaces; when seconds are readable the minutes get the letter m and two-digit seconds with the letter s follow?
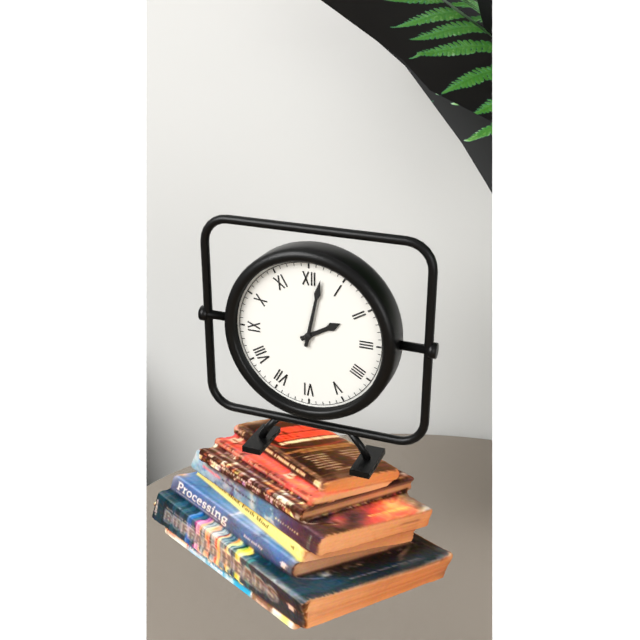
2h02
